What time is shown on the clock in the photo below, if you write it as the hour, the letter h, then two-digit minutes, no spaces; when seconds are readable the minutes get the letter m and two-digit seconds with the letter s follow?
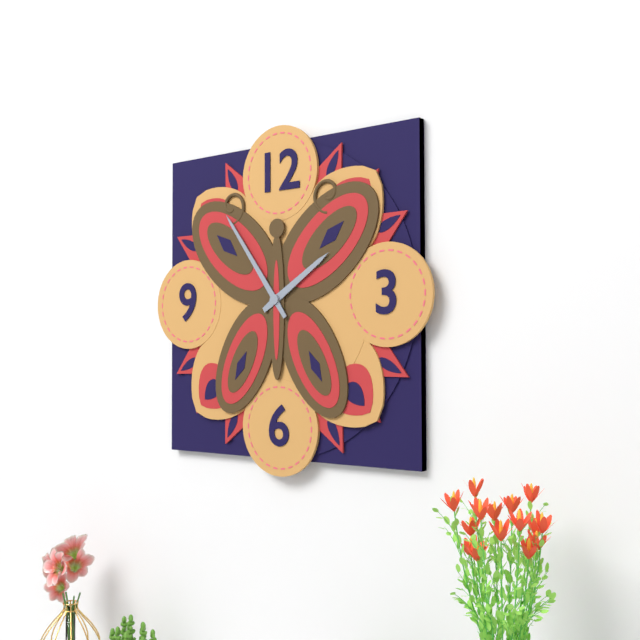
1h54
